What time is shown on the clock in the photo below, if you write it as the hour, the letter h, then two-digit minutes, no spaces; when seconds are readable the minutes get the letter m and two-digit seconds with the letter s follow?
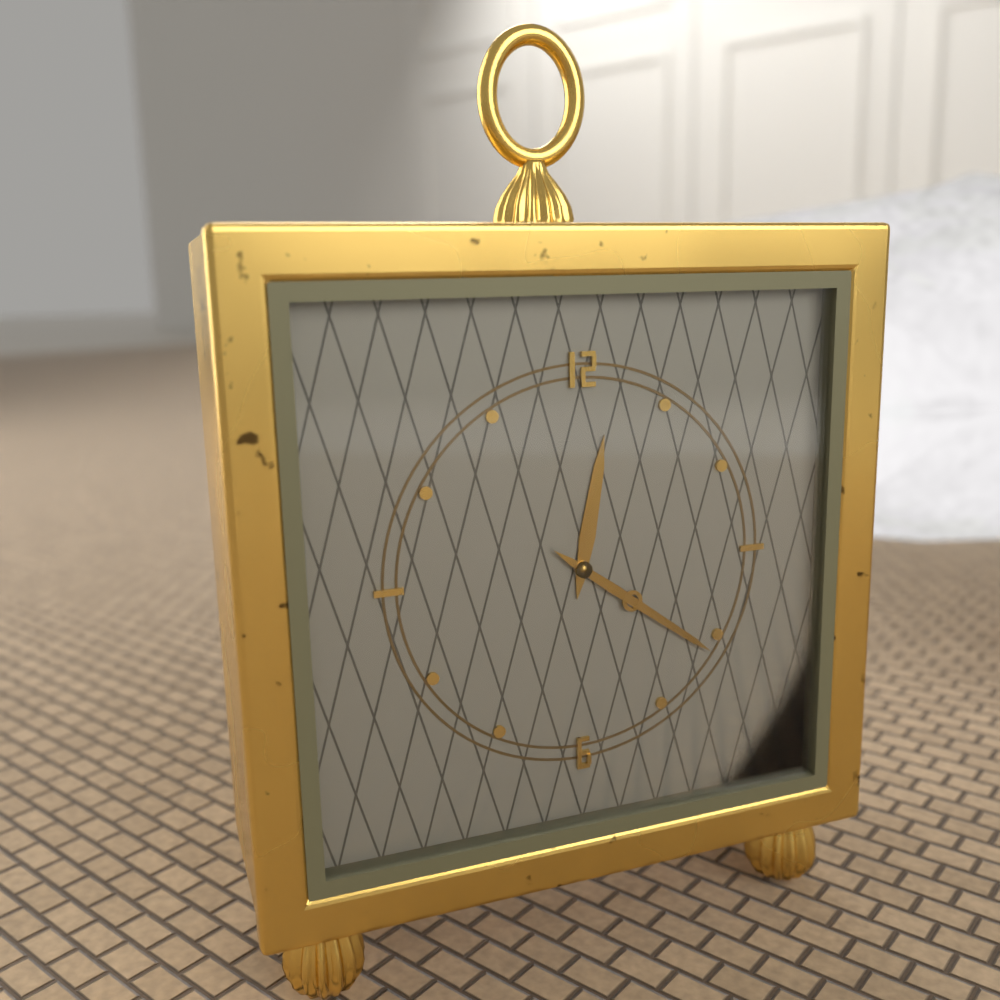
12h21
